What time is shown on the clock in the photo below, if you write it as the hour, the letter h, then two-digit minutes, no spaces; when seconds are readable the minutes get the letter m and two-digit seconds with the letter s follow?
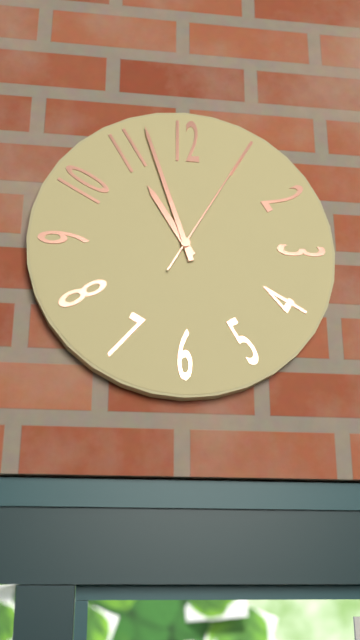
10h57m05s
